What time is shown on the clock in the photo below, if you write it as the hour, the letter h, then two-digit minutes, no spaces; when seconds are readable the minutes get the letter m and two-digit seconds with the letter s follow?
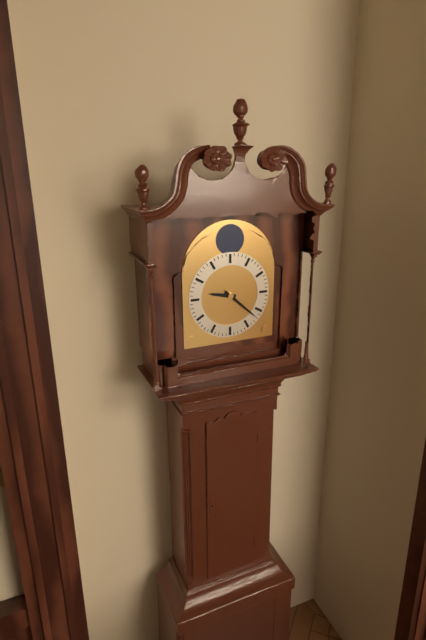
9h22
